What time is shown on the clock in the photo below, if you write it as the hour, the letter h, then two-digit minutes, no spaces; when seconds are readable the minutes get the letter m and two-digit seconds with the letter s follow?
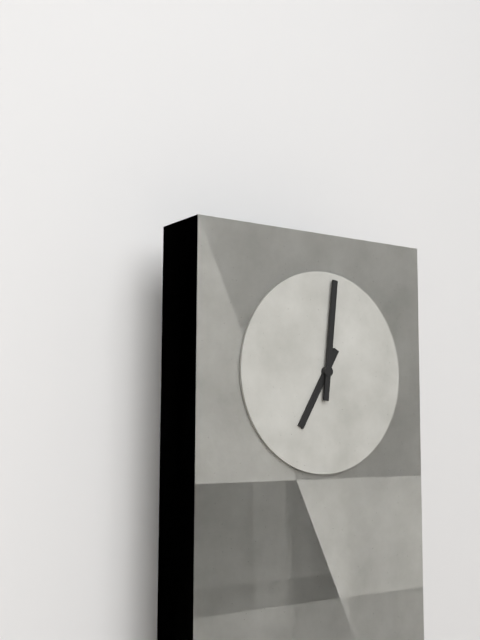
7h01
